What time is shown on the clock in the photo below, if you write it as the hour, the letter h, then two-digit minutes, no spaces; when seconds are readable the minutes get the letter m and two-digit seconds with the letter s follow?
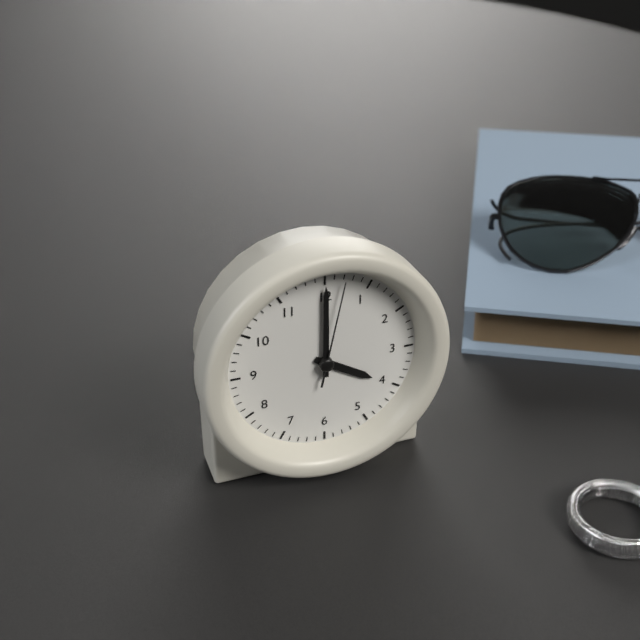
4h00m02s
